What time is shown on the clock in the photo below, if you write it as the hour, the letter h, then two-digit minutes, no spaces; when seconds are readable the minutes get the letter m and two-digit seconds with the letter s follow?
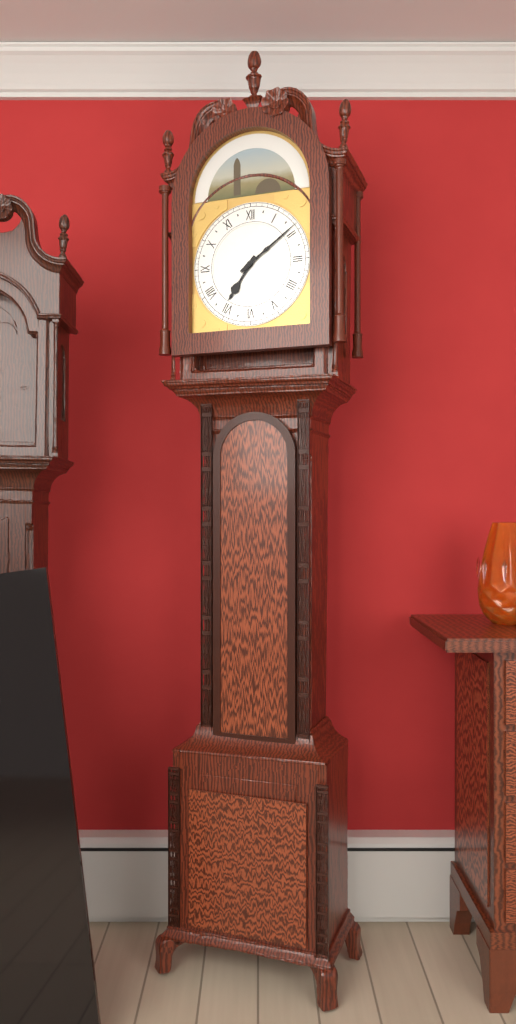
7h09
